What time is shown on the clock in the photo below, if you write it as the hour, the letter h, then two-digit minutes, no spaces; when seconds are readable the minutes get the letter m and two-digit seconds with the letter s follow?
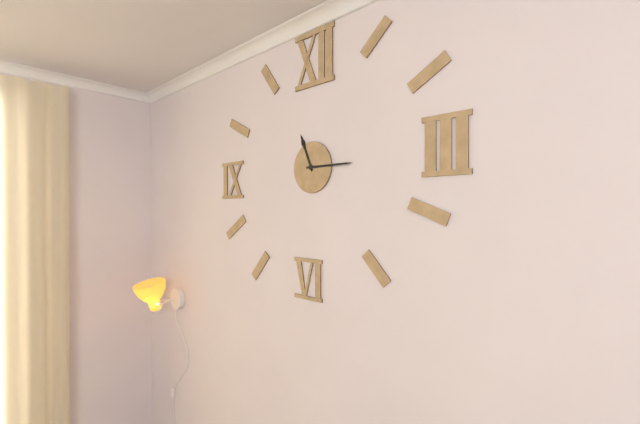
11h15
